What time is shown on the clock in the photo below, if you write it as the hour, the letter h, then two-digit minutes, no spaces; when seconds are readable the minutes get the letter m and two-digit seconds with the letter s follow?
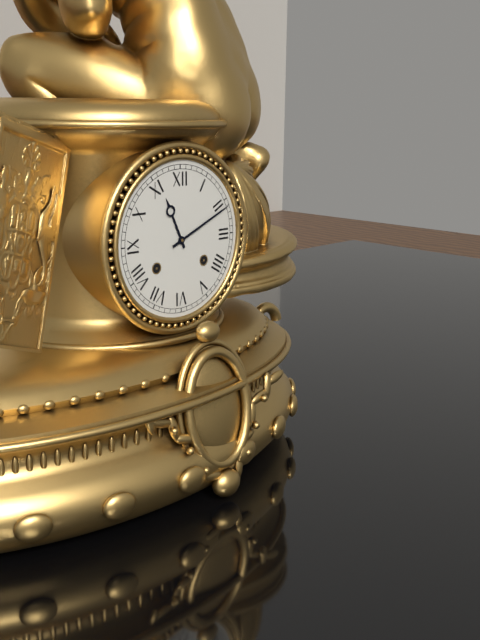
11h11
